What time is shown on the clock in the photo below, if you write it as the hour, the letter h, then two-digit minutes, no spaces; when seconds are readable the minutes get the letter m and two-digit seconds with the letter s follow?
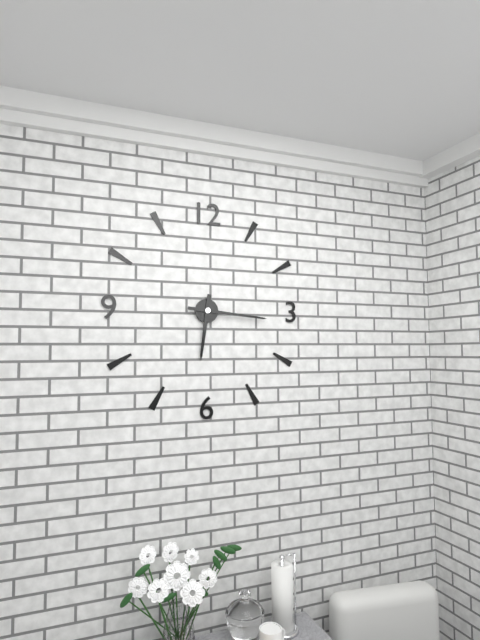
6h16
